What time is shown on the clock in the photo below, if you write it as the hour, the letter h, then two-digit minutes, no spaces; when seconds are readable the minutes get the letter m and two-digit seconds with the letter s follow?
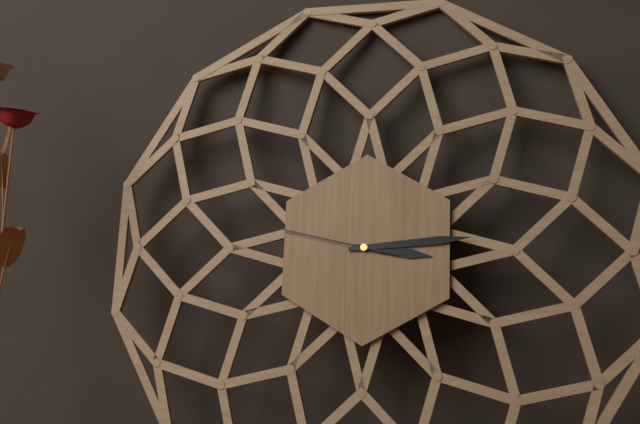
3h14m47s
